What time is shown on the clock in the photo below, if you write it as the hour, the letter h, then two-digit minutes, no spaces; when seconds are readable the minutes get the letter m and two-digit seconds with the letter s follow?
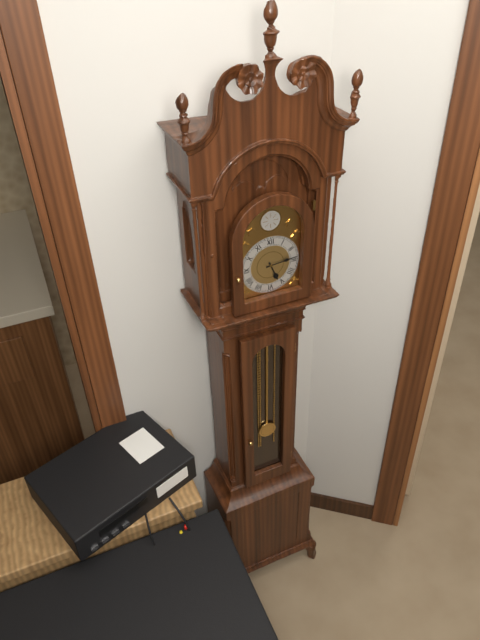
5h14
